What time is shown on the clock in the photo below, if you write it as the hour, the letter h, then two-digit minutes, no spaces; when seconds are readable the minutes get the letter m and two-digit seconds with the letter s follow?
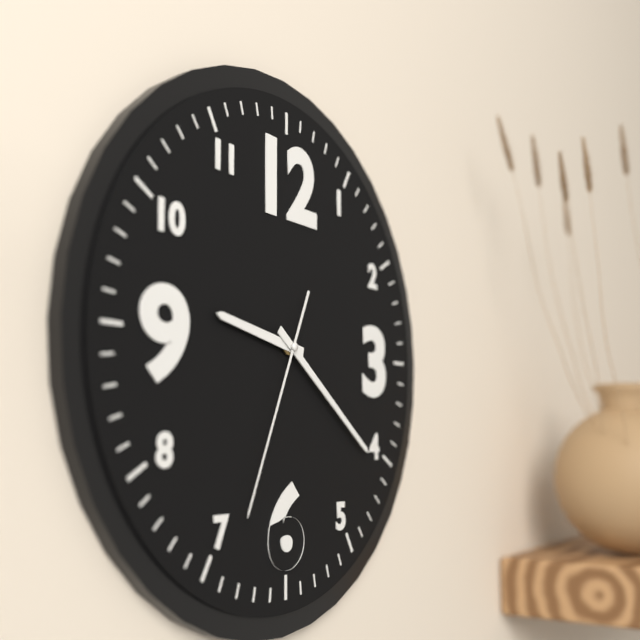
9h21m34s
